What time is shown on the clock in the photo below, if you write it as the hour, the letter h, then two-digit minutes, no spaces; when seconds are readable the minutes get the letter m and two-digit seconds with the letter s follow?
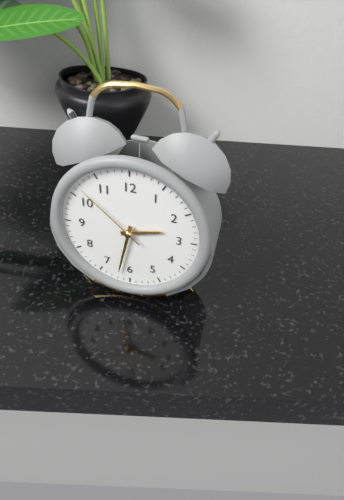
2h32m52s
